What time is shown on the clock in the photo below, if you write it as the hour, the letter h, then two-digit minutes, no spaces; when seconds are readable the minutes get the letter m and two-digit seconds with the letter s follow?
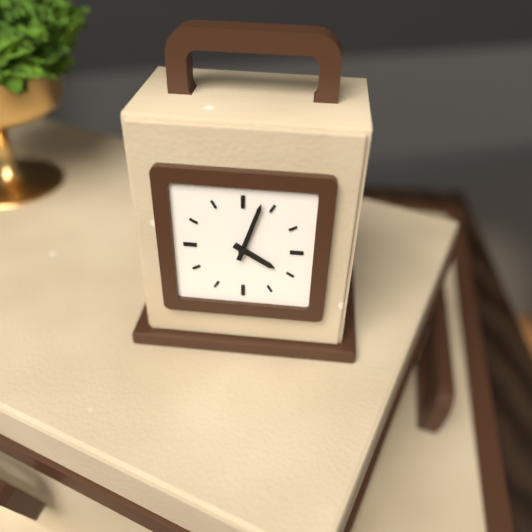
4h03
